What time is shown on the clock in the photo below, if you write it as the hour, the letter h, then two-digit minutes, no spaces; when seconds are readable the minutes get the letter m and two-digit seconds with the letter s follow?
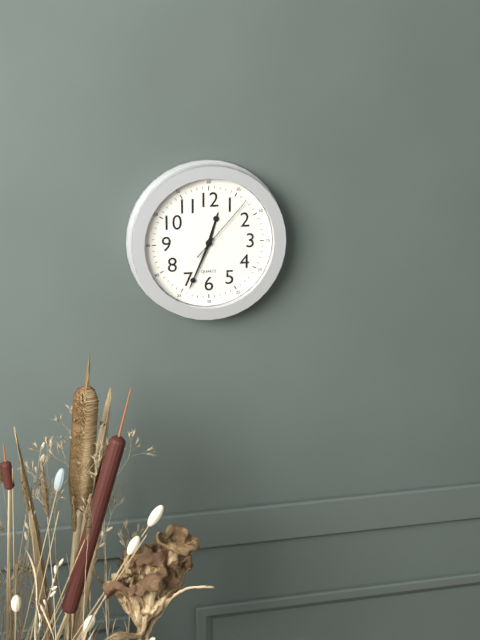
12h34m07s
